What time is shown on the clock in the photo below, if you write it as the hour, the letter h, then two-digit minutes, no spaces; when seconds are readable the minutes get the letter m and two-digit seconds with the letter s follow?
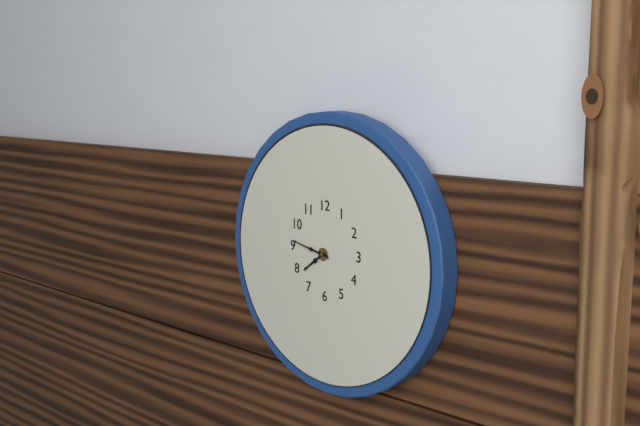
7h47
